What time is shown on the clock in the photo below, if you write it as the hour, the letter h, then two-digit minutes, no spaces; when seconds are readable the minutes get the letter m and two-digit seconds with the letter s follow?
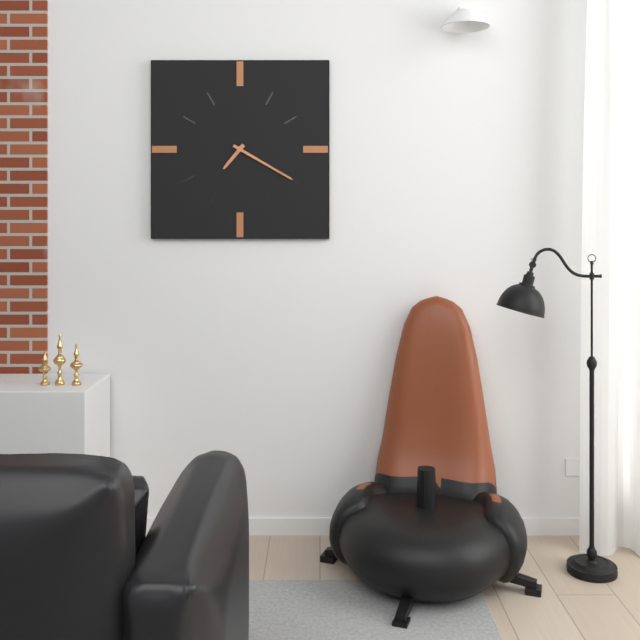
7h20
